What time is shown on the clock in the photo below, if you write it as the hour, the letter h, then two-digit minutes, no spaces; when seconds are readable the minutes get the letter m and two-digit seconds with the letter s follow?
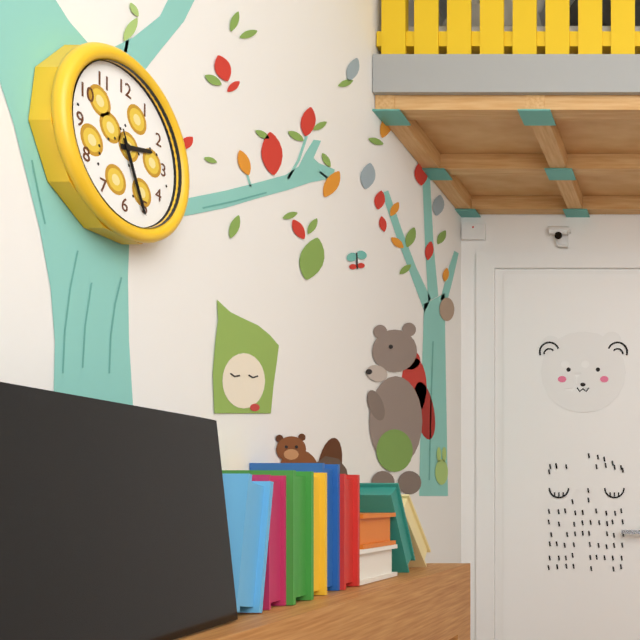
2h26m26s
